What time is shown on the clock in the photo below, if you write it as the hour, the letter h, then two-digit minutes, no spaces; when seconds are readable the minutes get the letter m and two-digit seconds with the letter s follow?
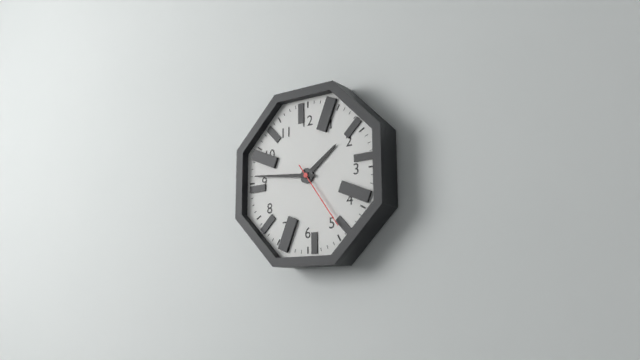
1h46m24s
